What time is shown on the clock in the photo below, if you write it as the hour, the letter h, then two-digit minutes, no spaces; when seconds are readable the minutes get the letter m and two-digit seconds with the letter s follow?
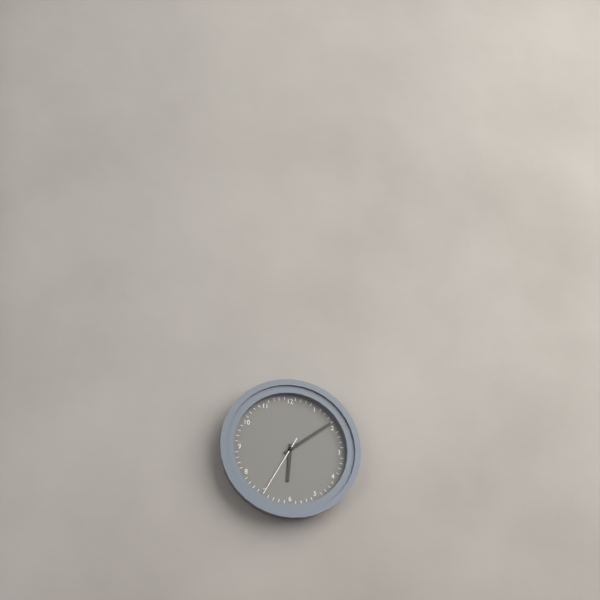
6h09m35s
